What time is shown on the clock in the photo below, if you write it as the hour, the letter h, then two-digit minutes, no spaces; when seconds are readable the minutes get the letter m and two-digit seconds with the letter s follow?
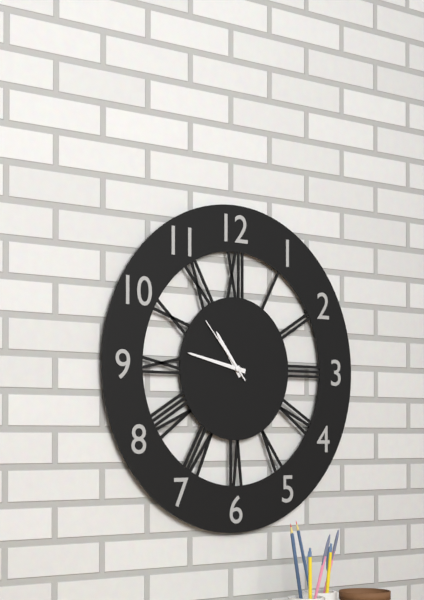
10h47m53s
